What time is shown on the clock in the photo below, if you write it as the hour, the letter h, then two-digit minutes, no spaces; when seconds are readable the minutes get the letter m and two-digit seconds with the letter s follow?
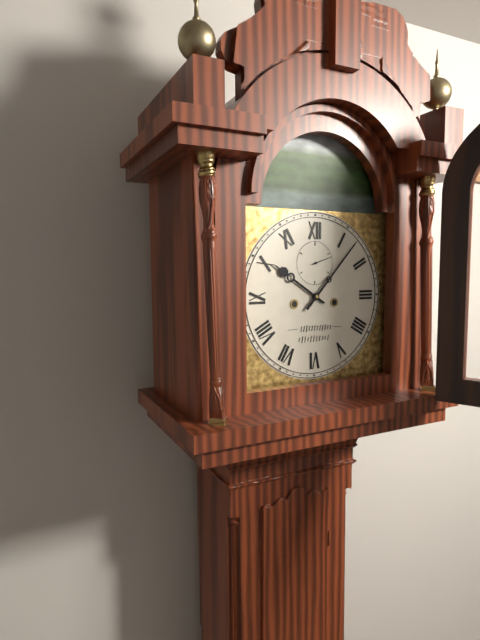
10h07
